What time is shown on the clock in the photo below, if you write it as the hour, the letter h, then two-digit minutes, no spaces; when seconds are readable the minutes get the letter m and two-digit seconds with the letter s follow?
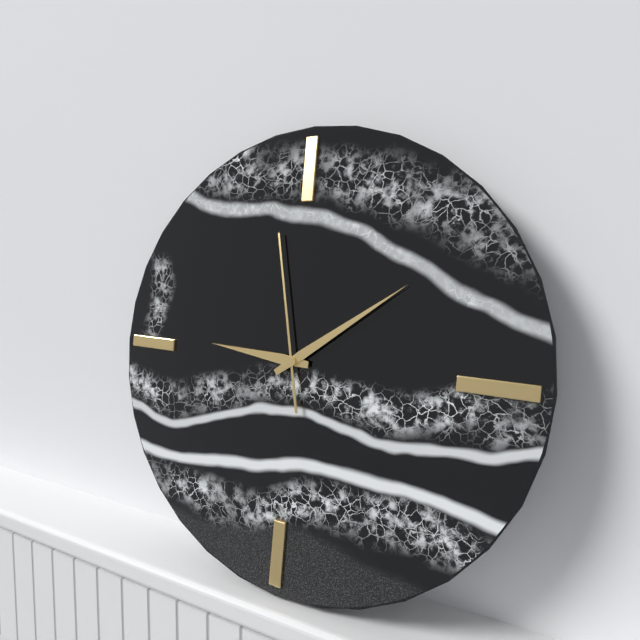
9h09m58s
